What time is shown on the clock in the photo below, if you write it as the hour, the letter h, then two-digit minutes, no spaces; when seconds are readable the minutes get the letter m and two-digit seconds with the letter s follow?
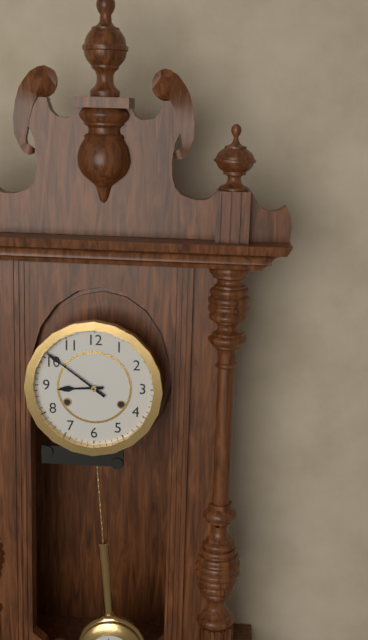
8h51
